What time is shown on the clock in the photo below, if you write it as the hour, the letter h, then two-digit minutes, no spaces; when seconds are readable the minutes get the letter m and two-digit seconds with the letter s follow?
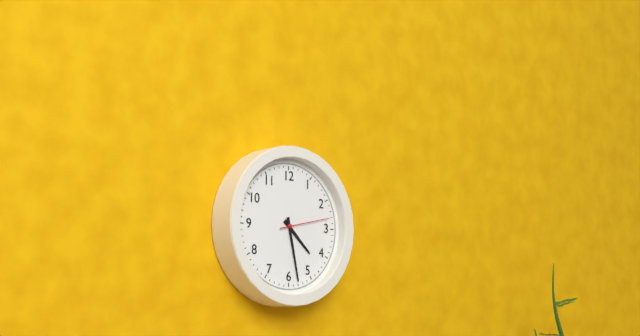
4h28m13s
